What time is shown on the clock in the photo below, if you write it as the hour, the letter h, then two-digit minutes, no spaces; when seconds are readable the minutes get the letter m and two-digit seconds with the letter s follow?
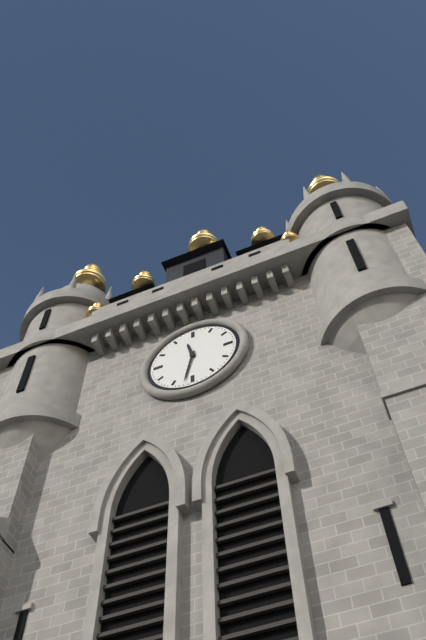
11h32
